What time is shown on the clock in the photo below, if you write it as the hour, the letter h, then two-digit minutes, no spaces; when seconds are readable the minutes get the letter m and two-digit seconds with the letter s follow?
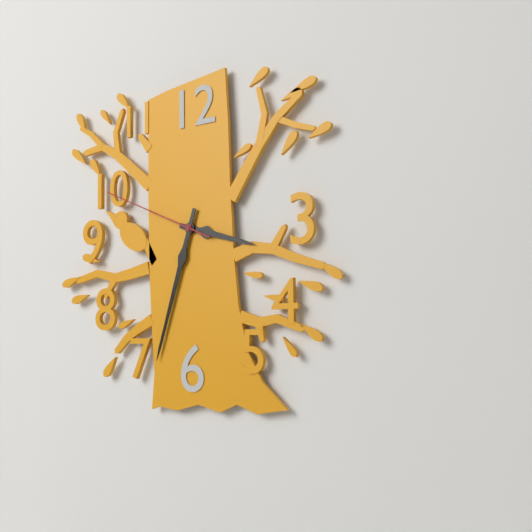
3h33m49s
